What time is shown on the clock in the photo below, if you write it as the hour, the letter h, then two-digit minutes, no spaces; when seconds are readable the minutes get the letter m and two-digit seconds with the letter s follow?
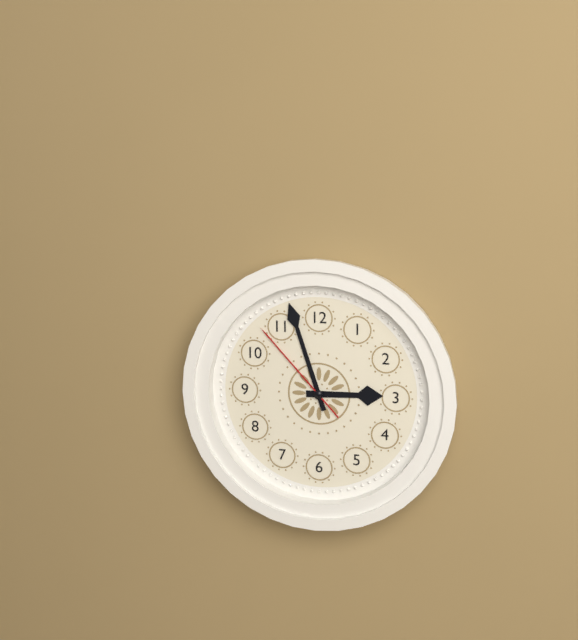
2h57m53s
